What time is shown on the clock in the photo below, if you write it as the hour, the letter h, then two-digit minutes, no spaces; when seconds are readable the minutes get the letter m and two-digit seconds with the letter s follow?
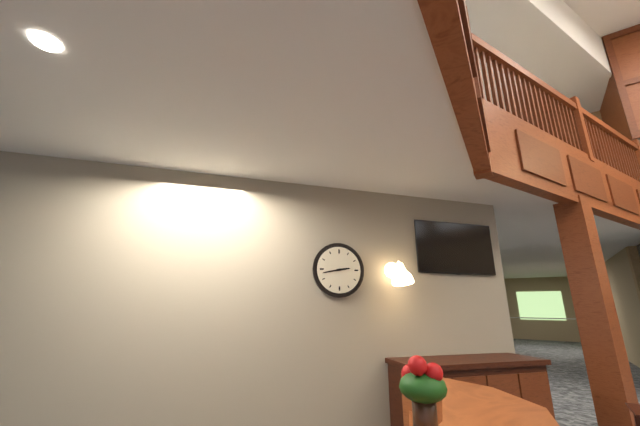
2h43
